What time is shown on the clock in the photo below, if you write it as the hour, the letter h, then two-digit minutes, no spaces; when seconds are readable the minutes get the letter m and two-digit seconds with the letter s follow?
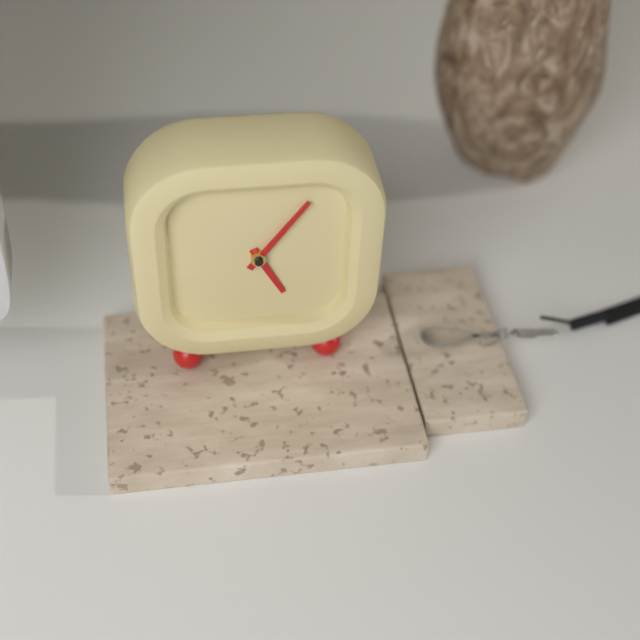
5h06
